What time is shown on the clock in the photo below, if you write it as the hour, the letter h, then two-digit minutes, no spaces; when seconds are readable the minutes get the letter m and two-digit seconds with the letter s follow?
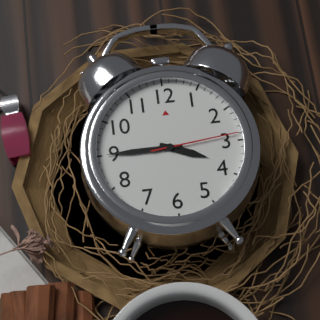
3h45m14s
